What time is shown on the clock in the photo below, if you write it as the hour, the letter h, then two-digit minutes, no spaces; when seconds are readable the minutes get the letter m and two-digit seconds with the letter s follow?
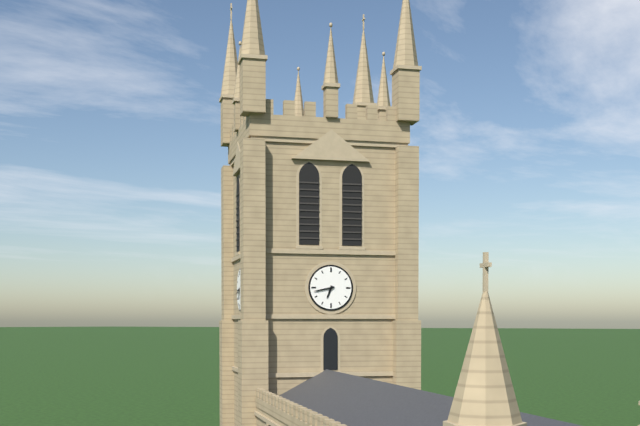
6h43
